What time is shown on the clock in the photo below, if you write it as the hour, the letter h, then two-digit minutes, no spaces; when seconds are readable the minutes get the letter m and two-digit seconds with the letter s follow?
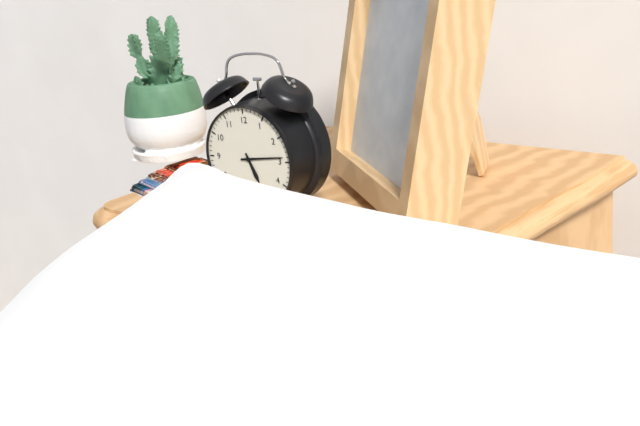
5h14
